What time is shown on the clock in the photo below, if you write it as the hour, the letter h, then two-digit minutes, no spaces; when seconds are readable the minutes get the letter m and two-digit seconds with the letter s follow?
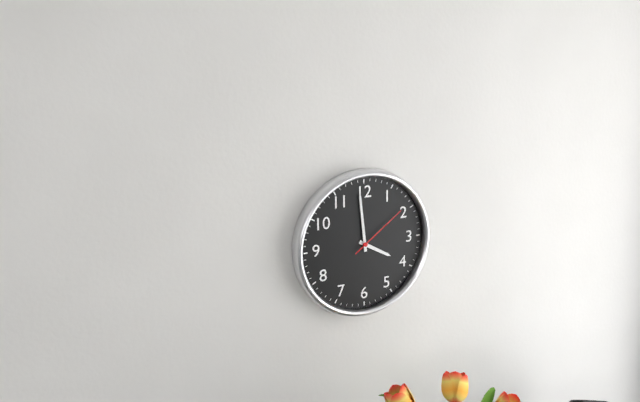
3h59m09s
